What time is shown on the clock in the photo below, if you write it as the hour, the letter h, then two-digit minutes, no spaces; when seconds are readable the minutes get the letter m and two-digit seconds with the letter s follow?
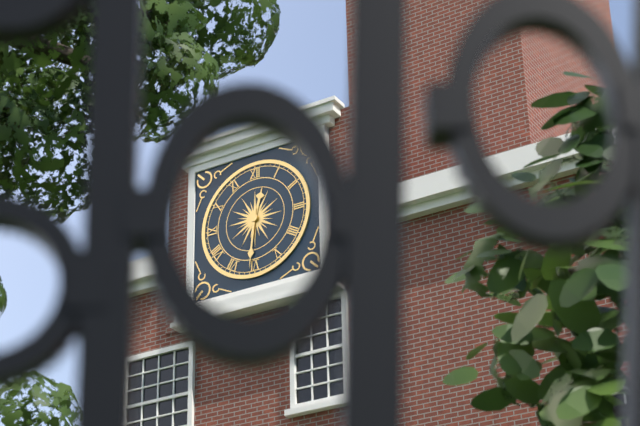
12h31
